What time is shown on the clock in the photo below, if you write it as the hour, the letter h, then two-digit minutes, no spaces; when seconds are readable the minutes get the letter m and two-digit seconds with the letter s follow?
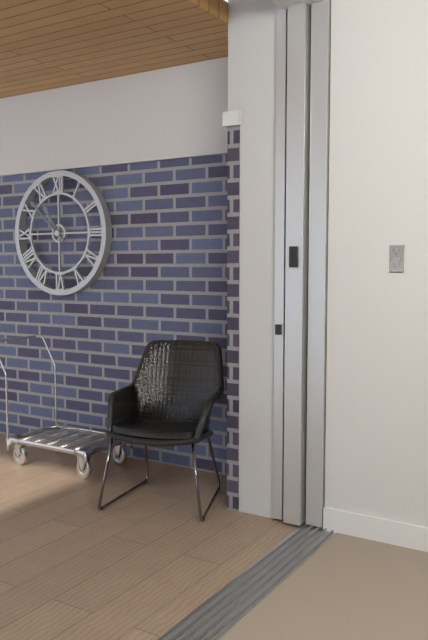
10h52
